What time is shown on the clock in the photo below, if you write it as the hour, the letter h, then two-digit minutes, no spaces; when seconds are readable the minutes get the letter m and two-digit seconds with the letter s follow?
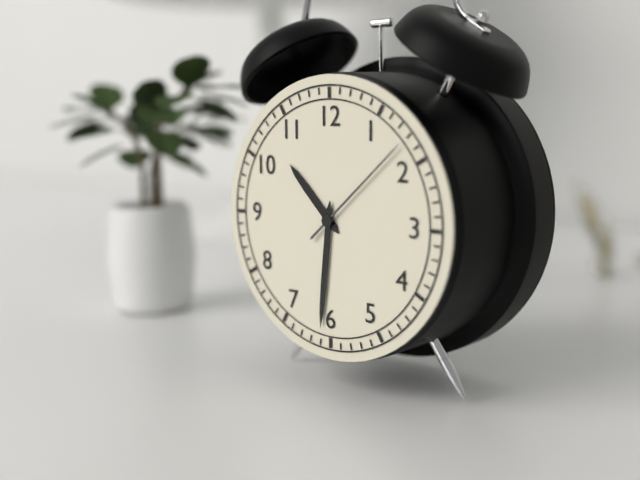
10h31m08s
